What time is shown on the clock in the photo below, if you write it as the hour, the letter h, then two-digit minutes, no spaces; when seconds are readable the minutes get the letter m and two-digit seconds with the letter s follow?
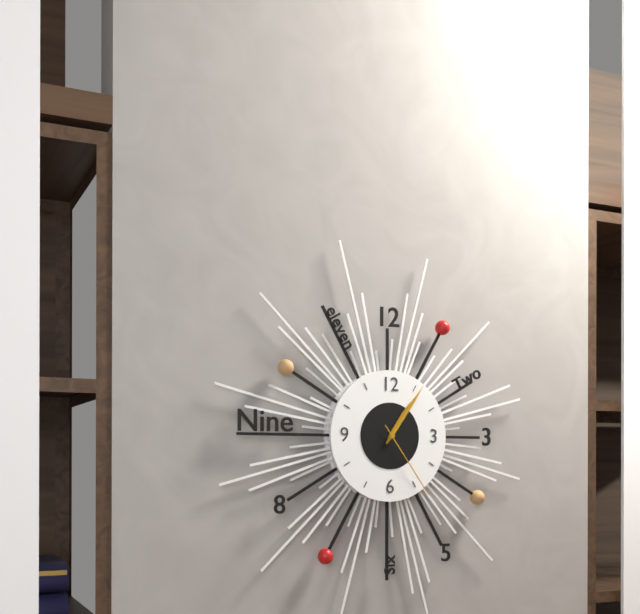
1h06m24s
